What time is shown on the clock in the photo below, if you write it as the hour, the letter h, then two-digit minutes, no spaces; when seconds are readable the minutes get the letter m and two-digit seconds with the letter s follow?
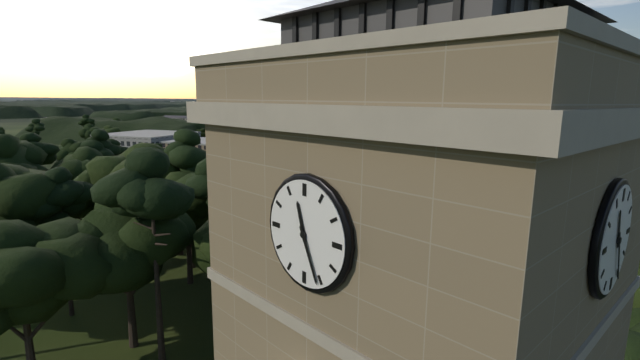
11h26
